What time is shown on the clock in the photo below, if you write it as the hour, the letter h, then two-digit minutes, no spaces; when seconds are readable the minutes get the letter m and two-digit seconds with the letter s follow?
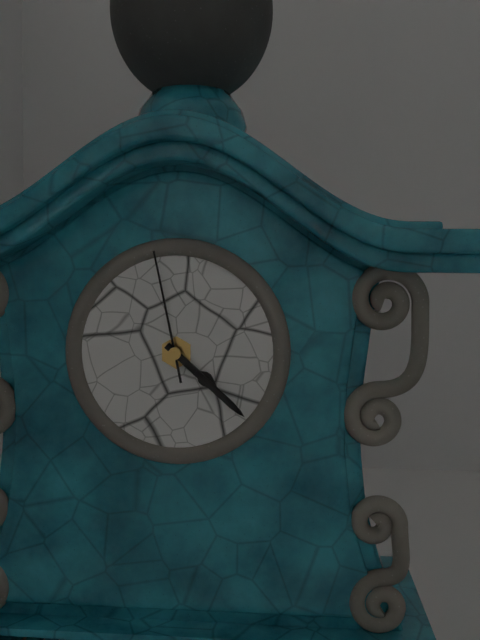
4h22m58s
